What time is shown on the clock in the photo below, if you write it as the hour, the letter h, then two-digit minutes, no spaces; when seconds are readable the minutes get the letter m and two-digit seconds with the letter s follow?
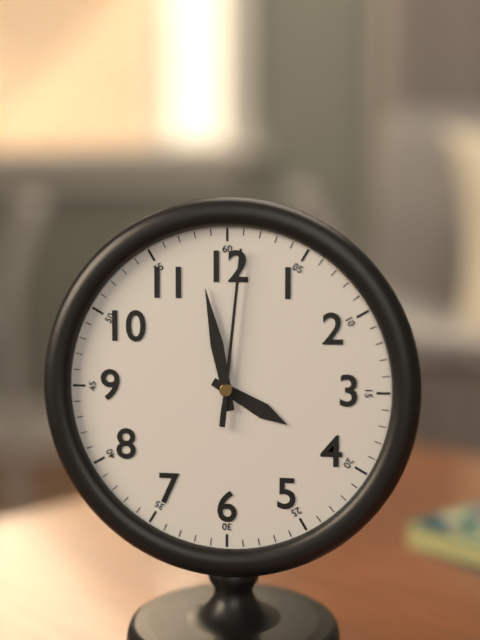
3h58m01s
